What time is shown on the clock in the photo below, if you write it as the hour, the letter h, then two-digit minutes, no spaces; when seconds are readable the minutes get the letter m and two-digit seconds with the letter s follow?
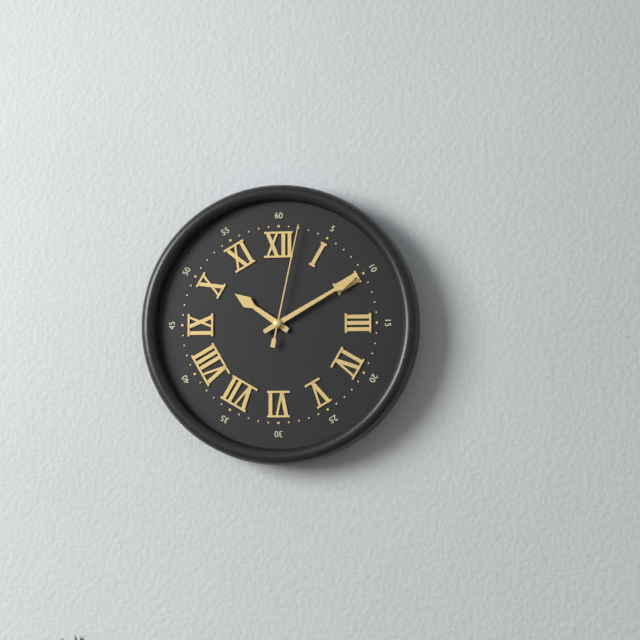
10h10m02s
